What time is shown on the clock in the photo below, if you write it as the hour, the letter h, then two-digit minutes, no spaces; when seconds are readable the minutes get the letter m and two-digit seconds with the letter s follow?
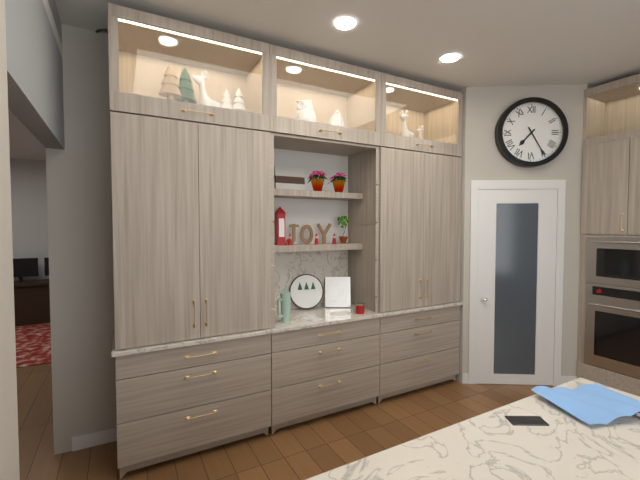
7h25
